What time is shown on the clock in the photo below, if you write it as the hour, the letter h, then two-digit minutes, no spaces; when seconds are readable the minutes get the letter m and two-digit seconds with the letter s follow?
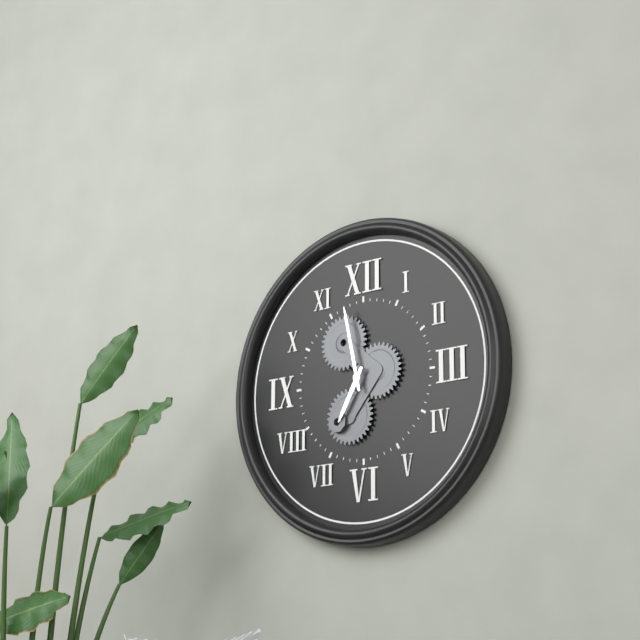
6h58
